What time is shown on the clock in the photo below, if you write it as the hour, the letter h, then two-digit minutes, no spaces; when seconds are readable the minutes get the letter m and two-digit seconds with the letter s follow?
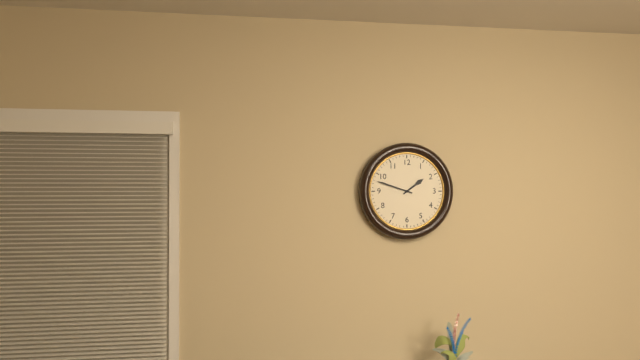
1h48
